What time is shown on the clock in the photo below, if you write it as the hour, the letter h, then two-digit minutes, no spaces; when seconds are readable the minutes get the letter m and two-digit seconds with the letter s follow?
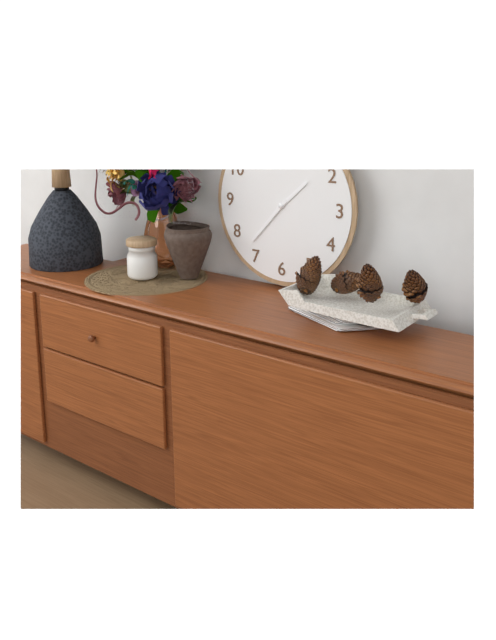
1h37
